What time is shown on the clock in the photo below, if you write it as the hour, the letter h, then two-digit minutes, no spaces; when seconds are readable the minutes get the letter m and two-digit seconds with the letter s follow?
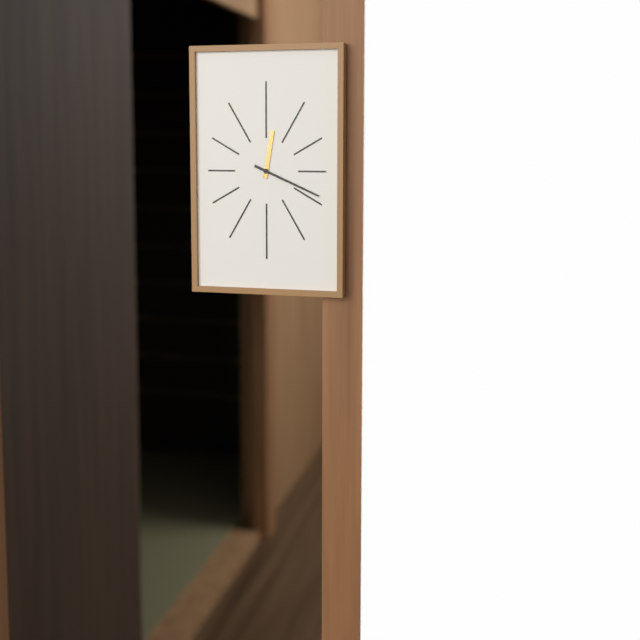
12h19
